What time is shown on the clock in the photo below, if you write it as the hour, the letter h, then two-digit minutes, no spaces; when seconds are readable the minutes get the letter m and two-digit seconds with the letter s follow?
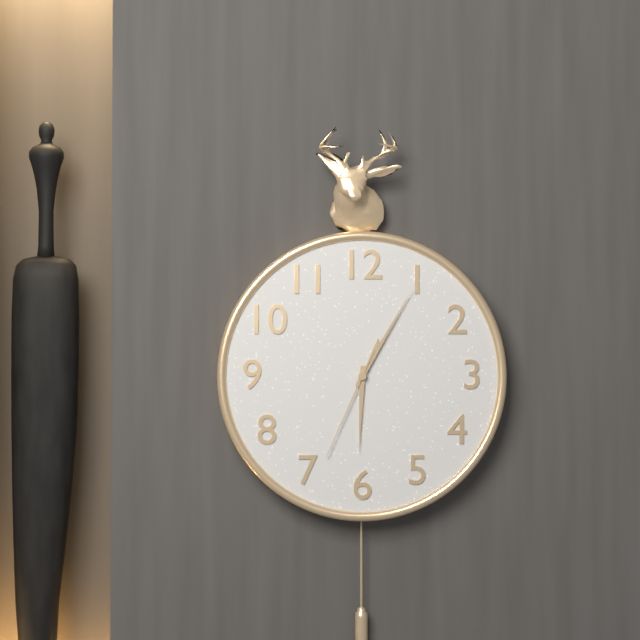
6h05m34s
